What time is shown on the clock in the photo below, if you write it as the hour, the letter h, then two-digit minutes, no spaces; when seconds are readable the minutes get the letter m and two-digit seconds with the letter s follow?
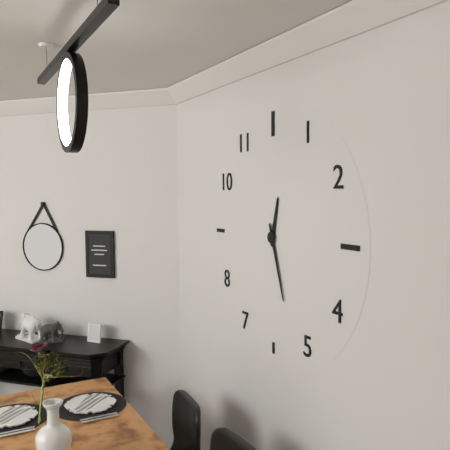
12h27
